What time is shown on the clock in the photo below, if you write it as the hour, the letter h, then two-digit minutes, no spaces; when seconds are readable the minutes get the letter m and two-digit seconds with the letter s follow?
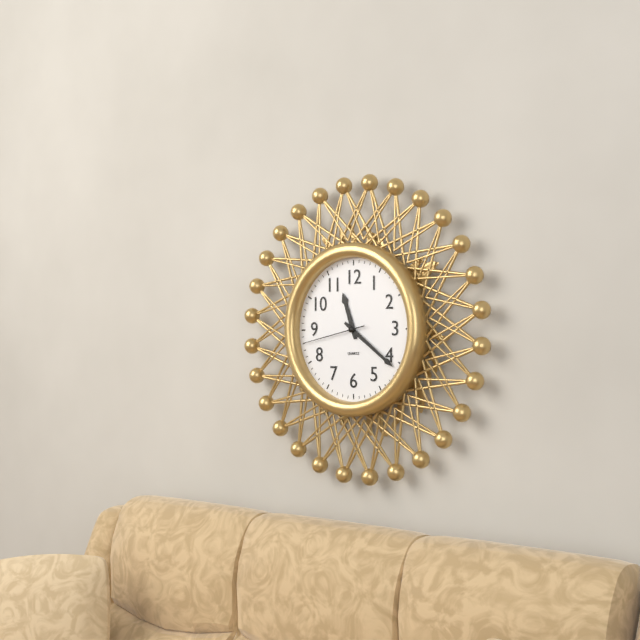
11h21m43s
